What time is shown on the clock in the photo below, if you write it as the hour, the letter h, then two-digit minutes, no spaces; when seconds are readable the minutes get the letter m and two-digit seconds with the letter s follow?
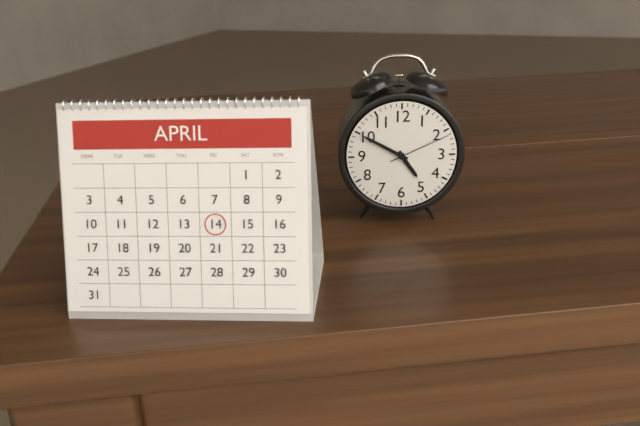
4h50m11s
